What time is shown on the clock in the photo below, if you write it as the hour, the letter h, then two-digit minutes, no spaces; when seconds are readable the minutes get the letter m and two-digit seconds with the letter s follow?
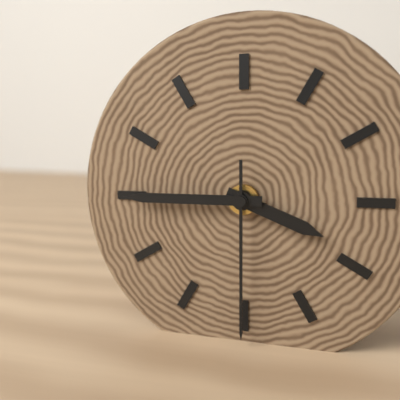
3h45m30s
